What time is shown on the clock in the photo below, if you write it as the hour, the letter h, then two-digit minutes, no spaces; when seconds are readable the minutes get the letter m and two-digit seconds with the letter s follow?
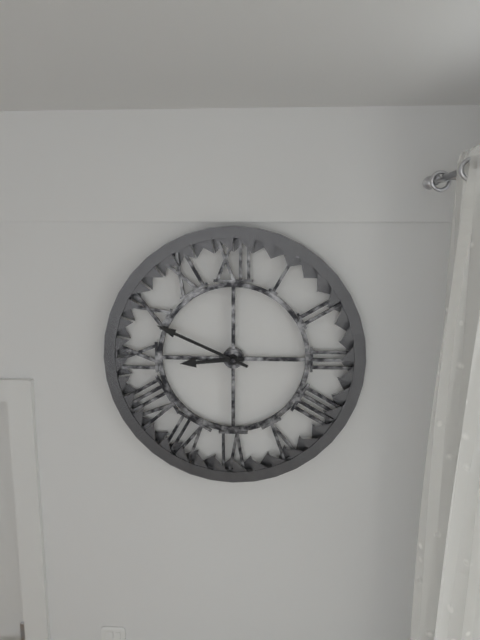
8h49
